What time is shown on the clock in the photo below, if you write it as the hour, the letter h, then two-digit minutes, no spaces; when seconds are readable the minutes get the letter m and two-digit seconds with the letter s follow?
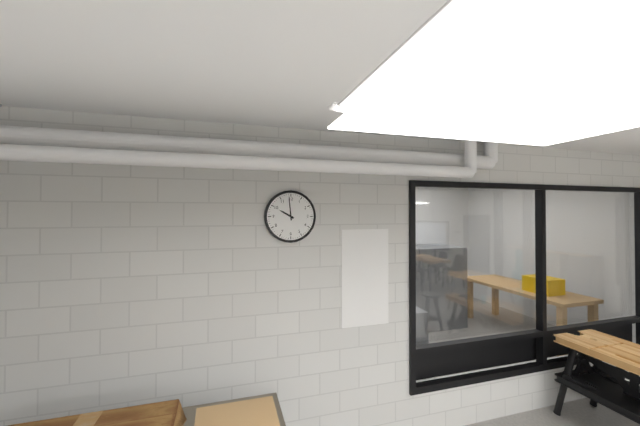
9h59
